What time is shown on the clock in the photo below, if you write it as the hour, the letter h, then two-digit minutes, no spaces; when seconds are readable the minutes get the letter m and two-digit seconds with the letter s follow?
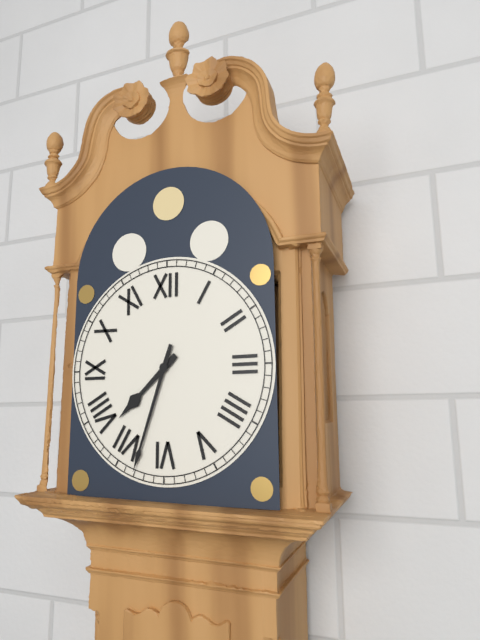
7h33
